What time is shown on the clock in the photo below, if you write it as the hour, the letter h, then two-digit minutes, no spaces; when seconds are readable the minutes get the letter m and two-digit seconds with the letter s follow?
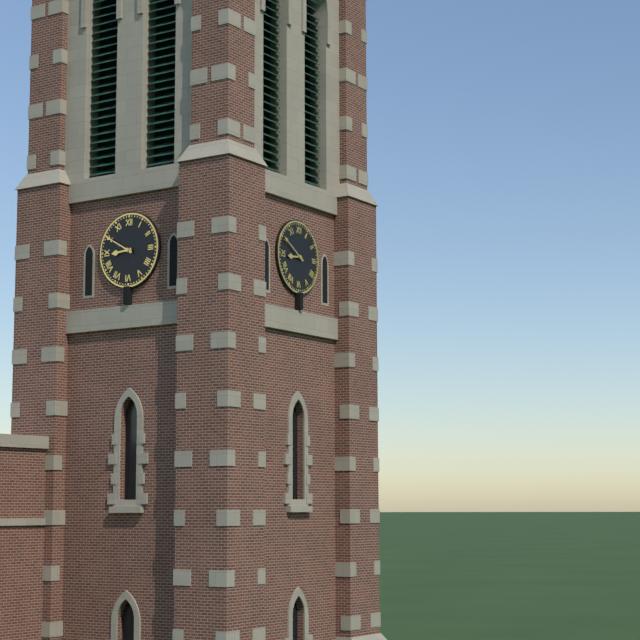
8h50
